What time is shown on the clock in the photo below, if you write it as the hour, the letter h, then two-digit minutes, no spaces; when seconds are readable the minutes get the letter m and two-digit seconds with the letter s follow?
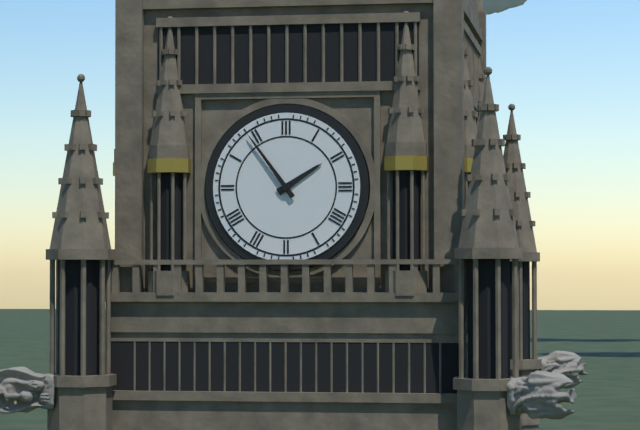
1h54
